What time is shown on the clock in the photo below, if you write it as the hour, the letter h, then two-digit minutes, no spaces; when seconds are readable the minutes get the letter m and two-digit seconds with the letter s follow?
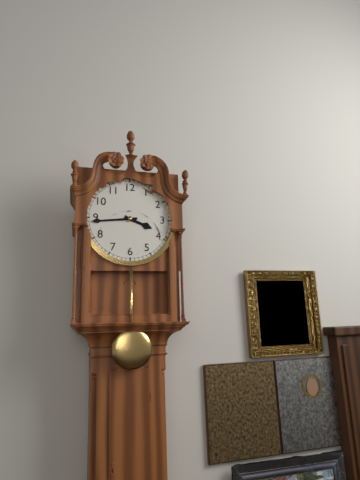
3h44
